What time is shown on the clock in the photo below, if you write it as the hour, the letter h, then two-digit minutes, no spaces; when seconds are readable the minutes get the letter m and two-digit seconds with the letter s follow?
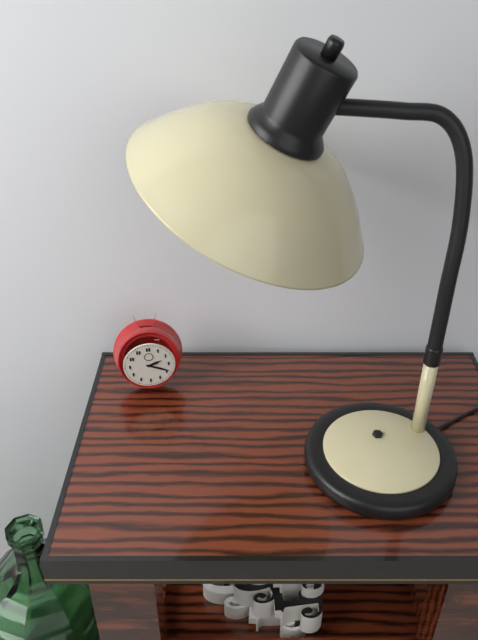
2h19
